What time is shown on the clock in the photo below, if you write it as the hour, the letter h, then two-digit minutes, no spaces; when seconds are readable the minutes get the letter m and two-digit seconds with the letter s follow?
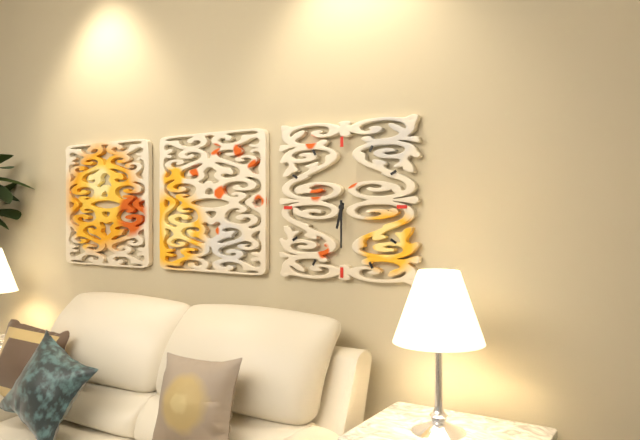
6h30
